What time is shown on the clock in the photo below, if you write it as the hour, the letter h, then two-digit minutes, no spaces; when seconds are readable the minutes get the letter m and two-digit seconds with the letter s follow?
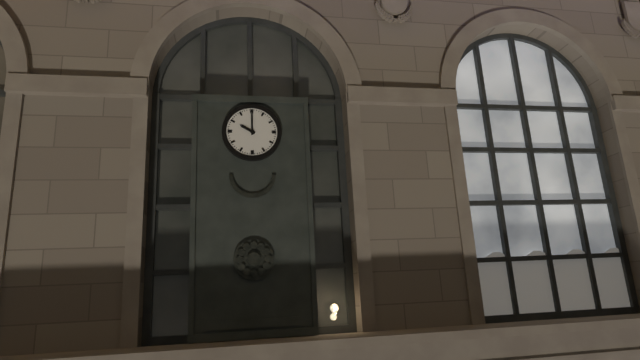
10h00
